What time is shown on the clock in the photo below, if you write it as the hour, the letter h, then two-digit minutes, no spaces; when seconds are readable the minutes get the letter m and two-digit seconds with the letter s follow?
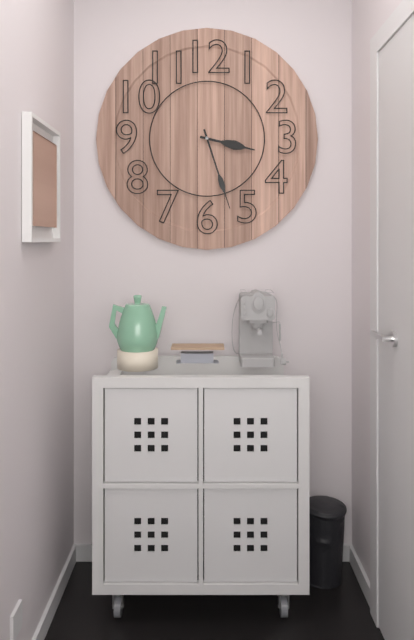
3h27
